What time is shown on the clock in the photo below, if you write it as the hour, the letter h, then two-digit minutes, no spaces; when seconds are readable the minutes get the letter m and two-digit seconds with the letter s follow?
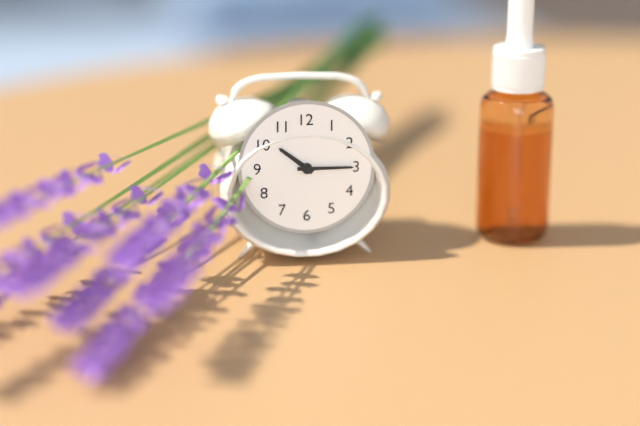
10h15
